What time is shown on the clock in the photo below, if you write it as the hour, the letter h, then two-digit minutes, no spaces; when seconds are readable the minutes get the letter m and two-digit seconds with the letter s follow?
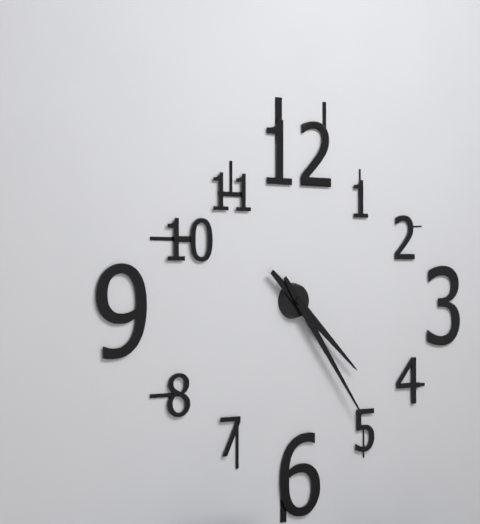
4h24
